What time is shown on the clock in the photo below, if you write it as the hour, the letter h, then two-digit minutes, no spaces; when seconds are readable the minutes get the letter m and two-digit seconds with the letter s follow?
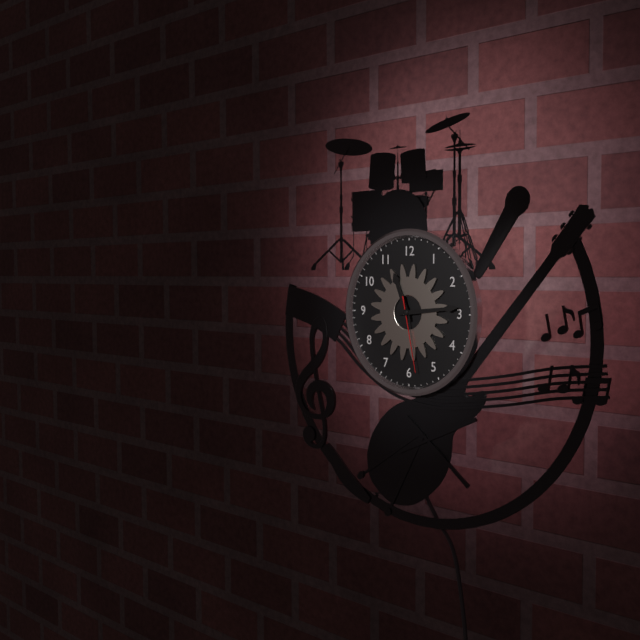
11h14m28s
